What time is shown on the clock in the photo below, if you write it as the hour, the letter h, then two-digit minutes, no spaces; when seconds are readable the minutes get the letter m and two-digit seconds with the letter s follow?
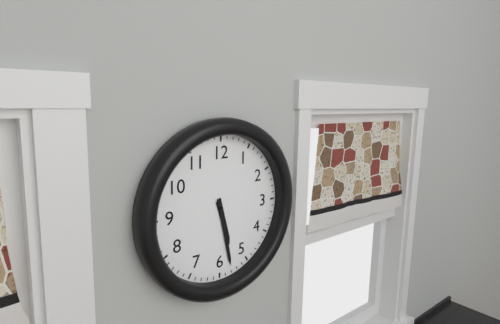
5h28
